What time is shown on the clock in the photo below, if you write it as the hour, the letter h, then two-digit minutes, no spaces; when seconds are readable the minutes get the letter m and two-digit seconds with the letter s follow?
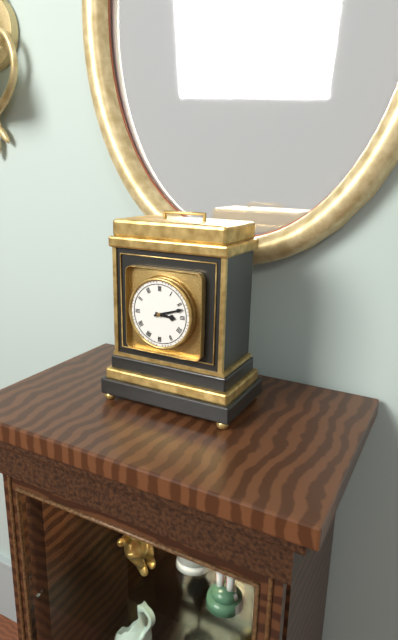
3h12
